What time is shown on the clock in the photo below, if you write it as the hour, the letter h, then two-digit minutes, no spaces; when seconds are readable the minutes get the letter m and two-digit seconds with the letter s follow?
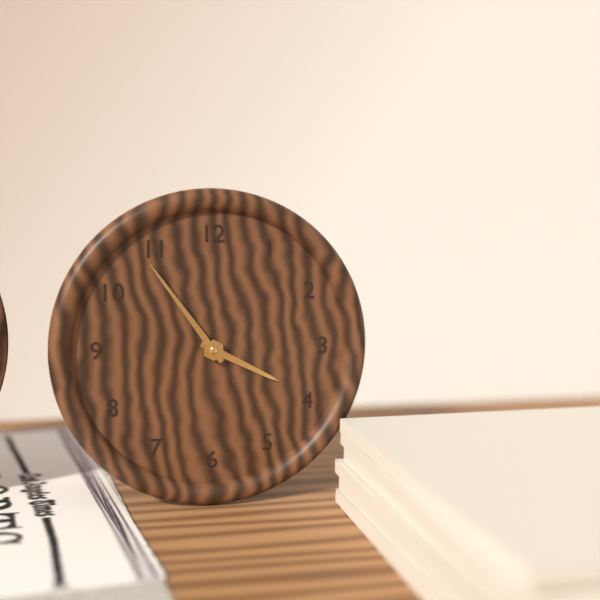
3h54
